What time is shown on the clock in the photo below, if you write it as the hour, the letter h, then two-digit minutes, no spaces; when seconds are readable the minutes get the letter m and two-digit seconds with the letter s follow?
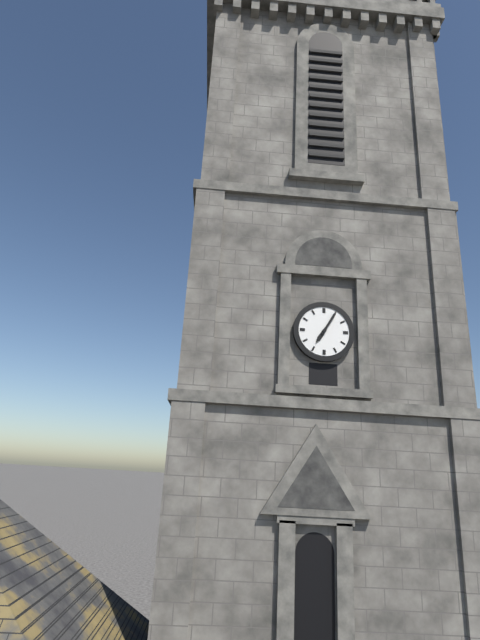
7h05
